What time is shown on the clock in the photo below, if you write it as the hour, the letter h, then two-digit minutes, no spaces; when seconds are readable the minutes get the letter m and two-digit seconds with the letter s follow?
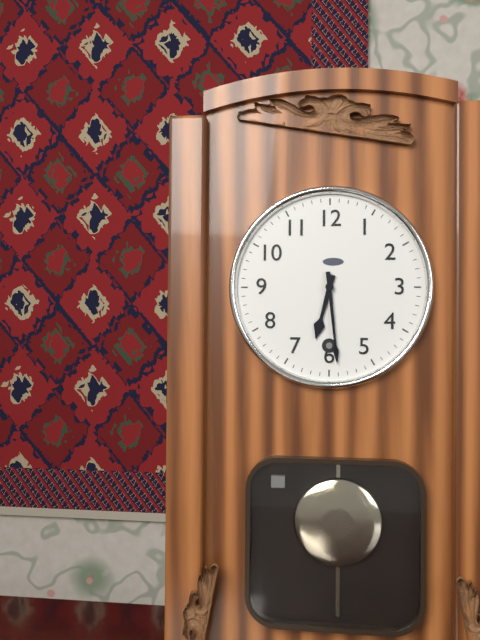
6h29
